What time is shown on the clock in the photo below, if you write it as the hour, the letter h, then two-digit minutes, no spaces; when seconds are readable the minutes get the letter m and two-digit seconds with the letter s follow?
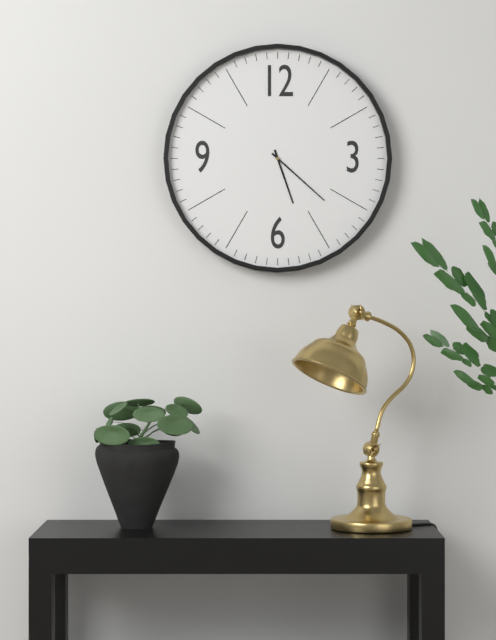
5h22
